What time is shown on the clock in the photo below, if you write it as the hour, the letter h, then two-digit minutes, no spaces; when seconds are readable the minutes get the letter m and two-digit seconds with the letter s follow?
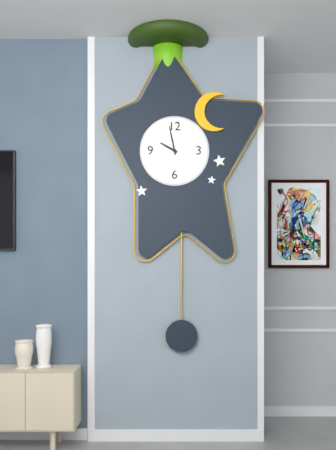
9h58
